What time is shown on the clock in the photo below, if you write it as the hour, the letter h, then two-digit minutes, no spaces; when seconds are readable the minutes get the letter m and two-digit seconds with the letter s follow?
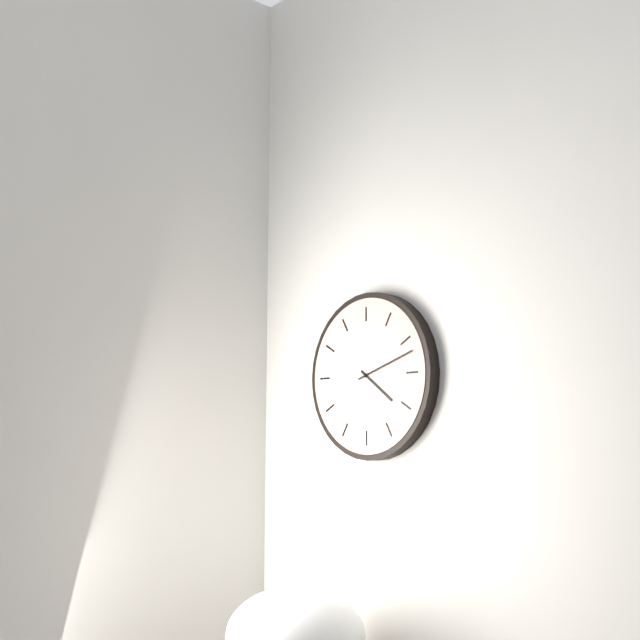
4h12
